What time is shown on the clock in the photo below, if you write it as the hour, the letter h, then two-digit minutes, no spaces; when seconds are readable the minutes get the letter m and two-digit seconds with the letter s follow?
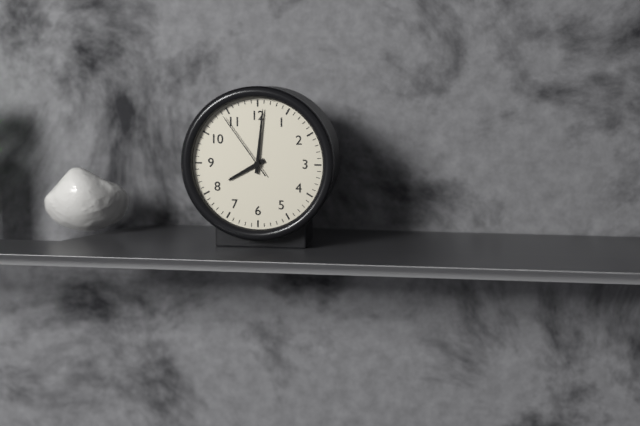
8h01m54s
